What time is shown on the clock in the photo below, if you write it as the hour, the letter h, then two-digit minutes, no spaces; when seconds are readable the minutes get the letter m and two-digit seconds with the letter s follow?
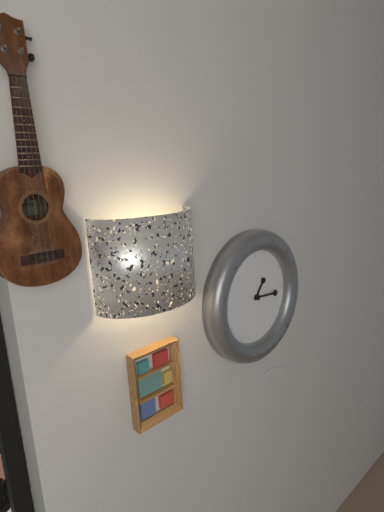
1h16
